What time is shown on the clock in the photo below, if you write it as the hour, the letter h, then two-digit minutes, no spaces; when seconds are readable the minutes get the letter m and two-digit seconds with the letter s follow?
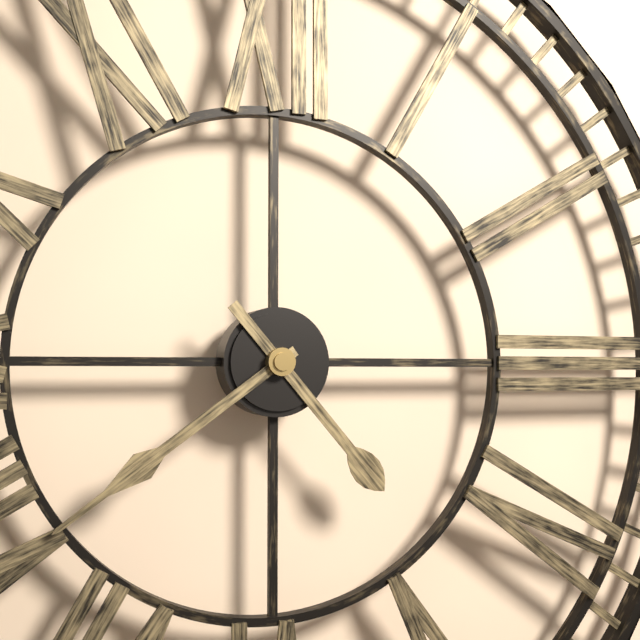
4h39
